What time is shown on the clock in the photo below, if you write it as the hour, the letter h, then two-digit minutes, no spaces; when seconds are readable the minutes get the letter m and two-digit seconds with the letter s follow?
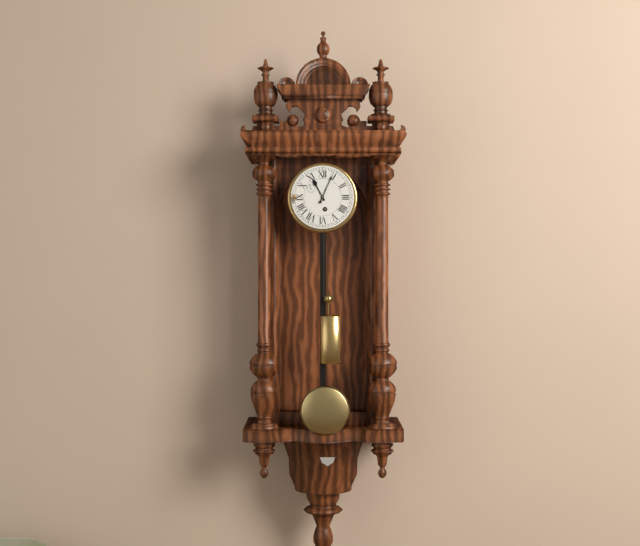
11h04
